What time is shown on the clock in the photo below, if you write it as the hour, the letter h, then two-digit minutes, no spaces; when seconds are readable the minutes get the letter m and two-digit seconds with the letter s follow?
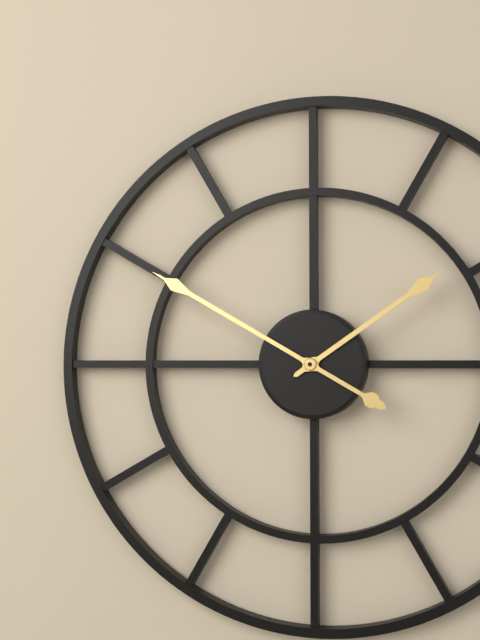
1h50
